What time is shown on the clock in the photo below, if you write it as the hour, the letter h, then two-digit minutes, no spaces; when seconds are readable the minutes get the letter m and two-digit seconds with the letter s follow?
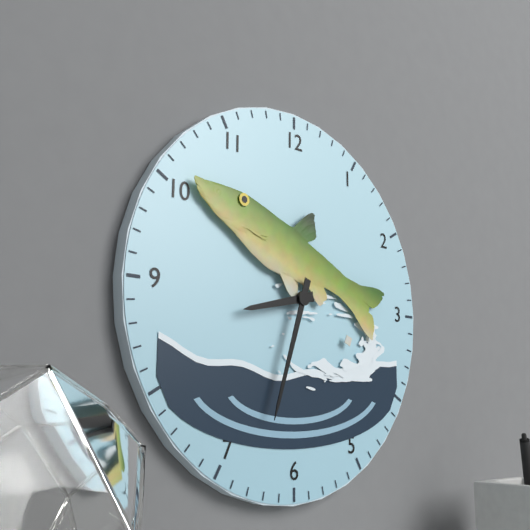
8h33
